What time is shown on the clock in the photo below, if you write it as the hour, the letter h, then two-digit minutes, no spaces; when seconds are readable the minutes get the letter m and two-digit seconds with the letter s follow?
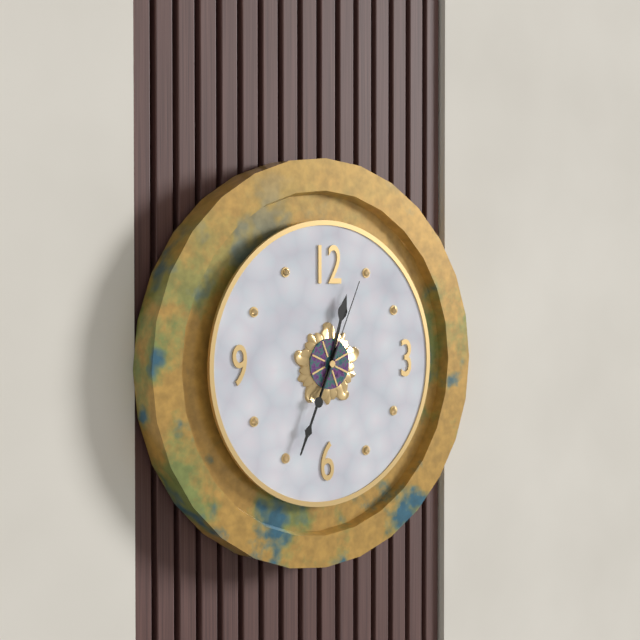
12h34m04s
